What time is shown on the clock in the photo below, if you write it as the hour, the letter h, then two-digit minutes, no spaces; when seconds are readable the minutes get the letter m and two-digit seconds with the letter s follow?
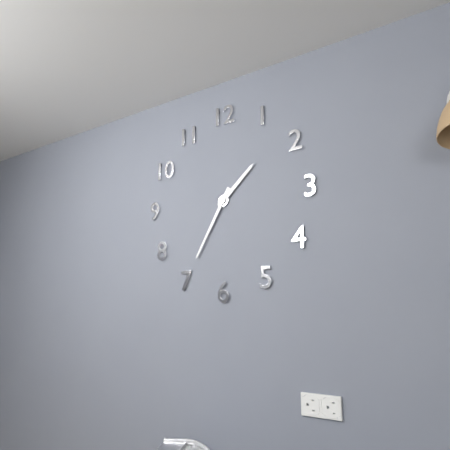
1h35
